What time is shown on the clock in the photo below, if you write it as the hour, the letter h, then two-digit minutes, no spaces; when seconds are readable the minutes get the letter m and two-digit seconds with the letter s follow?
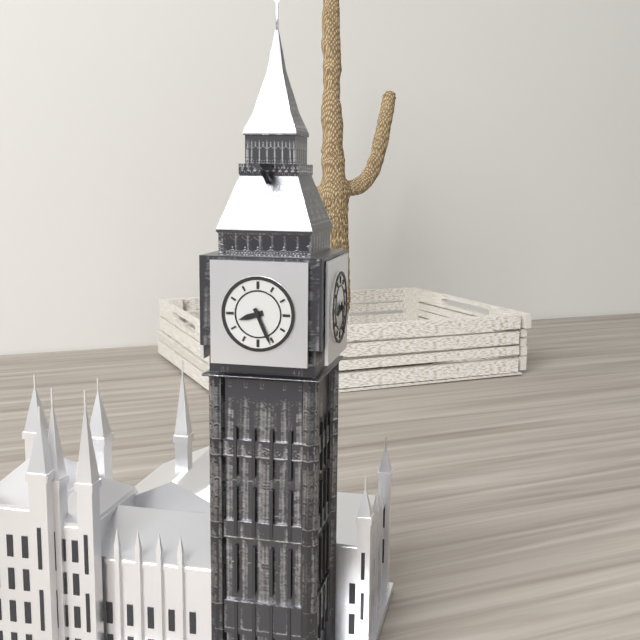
8h26
